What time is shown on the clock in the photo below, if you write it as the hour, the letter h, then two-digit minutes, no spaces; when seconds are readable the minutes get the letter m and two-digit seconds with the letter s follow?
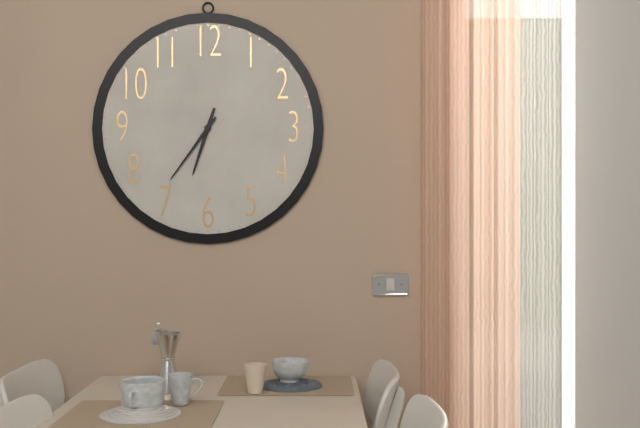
6h36
